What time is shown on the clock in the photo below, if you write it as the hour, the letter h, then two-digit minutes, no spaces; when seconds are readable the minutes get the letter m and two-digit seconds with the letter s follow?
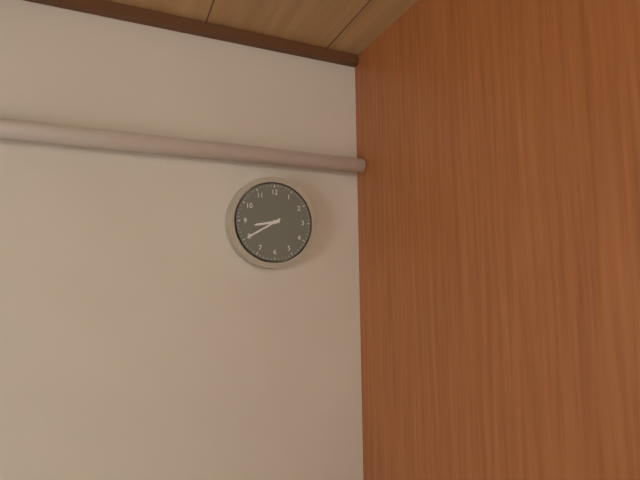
8h40
